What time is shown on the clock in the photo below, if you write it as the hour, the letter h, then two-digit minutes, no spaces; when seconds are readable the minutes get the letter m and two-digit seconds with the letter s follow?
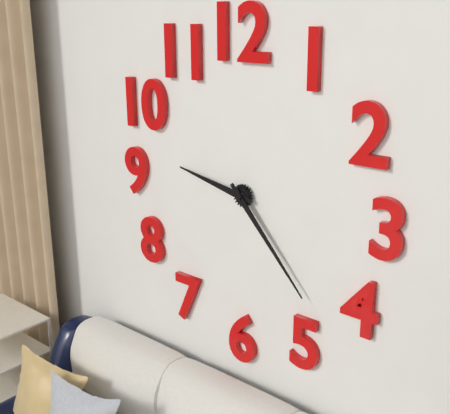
9h23
